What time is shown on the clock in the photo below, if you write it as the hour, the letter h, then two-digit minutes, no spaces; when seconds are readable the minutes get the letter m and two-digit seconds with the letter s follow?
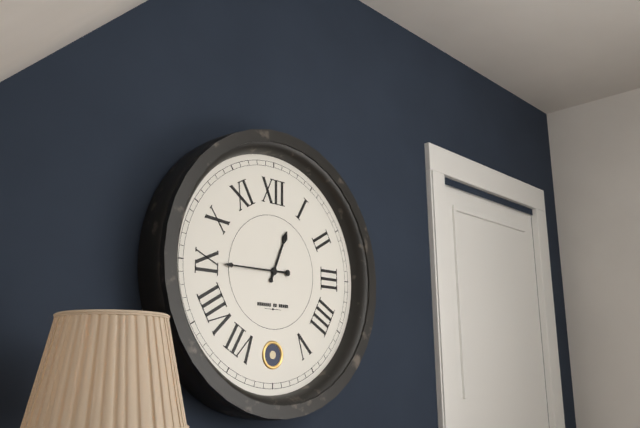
12h45
